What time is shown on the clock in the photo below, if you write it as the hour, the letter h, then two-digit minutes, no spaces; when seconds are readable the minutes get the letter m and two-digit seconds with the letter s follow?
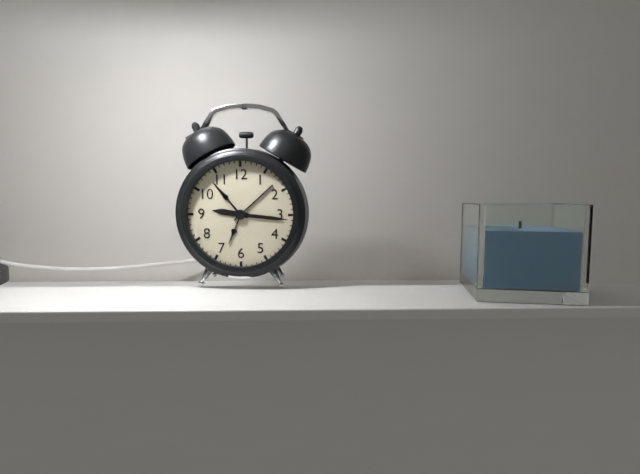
9h16
